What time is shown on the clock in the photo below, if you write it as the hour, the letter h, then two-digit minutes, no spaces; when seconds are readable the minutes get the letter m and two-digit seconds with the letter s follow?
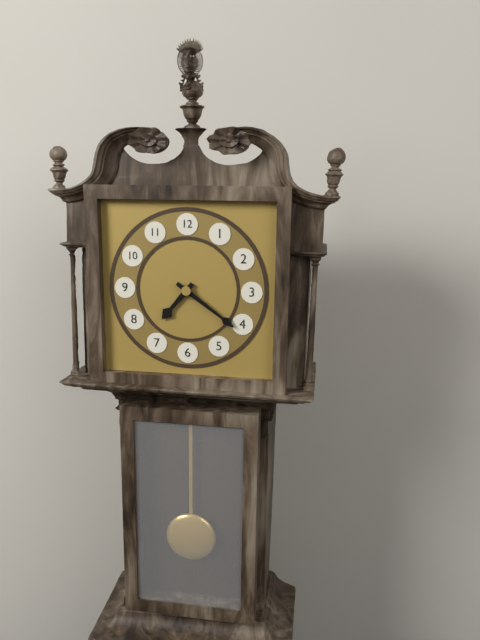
7h21
